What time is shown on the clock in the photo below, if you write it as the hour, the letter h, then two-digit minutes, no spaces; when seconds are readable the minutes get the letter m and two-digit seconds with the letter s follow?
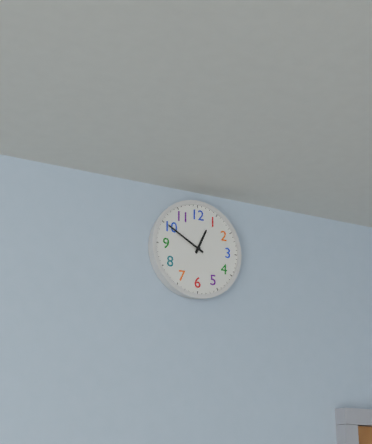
12h50
